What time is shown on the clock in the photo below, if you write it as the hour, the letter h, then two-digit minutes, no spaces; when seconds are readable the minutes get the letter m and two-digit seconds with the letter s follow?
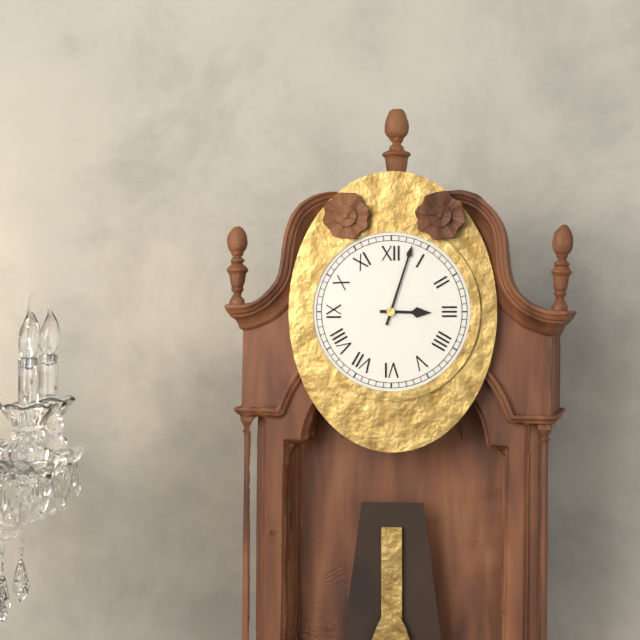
3h03
